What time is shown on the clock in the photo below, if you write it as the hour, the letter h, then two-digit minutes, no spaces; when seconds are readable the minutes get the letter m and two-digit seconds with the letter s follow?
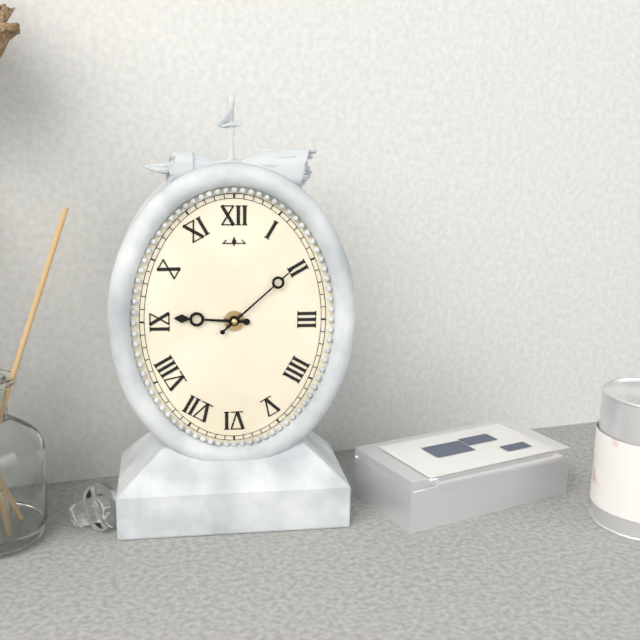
9h08
